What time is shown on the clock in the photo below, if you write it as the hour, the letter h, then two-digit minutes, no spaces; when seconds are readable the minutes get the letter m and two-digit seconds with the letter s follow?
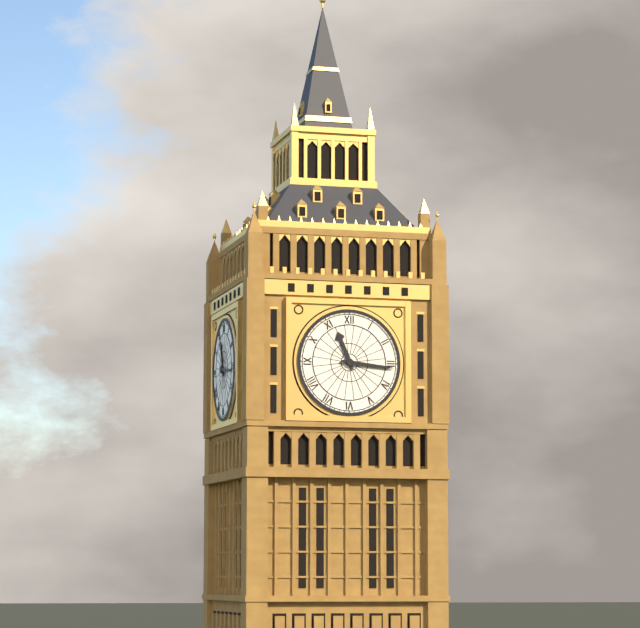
11h16
